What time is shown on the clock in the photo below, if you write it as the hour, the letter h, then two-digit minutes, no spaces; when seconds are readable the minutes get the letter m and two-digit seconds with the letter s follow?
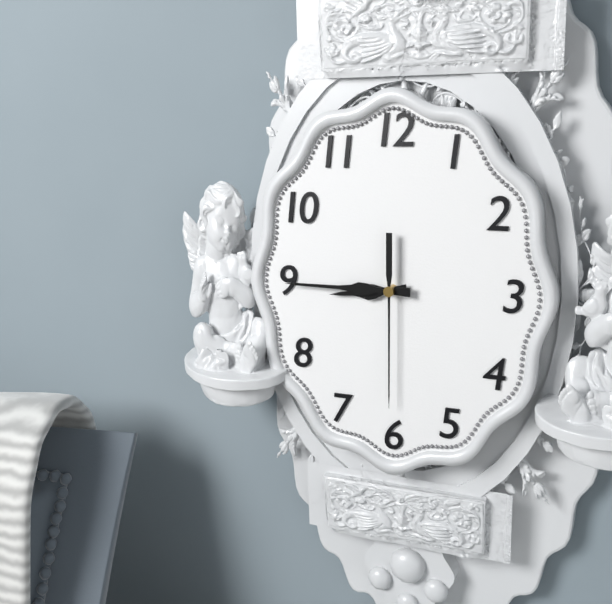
8h45m30s
